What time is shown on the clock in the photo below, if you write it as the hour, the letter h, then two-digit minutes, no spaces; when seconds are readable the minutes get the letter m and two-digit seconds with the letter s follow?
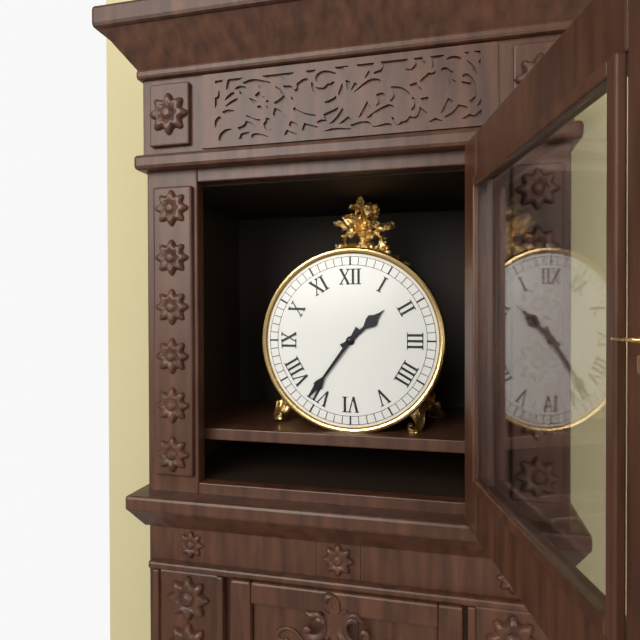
1h36
